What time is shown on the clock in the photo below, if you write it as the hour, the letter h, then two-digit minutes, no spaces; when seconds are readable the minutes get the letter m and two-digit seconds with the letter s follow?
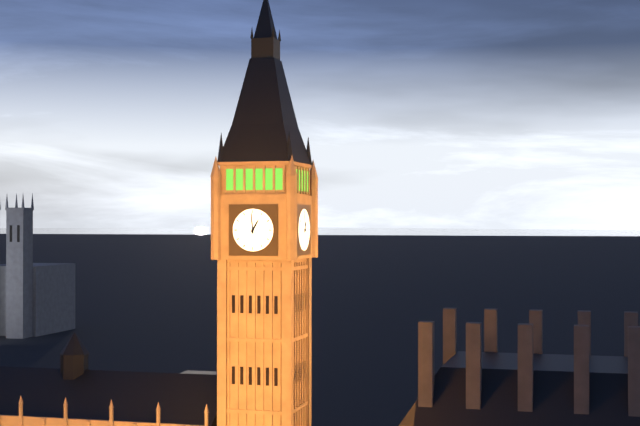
12h59
